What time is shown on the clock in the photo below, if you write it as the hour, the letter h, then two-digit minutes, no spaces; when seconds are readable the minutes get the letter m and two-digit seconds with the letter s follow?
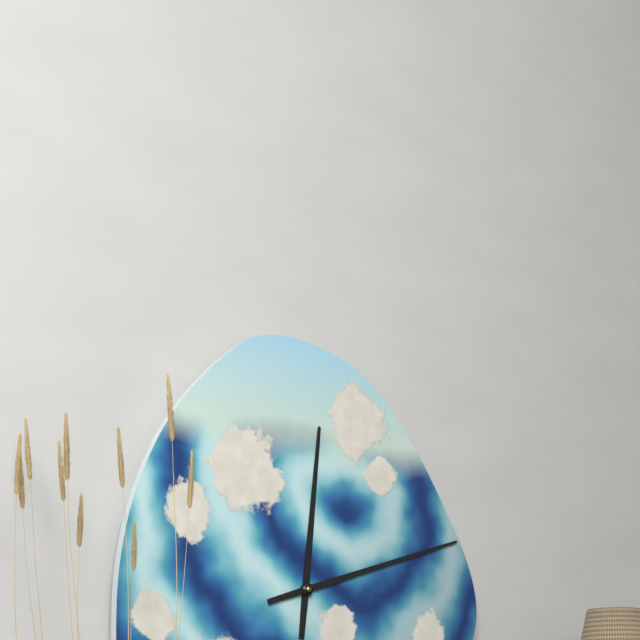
12h12
